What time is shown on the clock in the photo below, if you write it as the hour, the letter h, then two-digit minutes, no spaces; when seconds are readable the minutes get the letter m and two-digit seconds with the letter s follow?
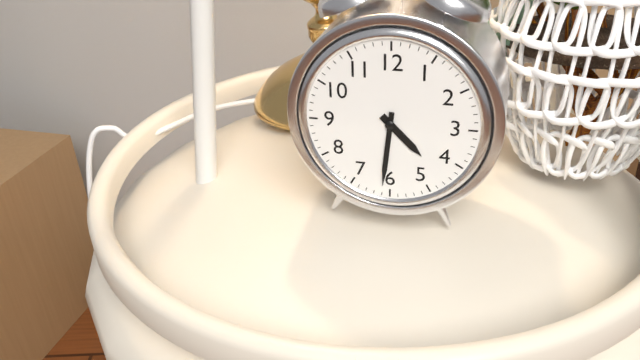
4h31
